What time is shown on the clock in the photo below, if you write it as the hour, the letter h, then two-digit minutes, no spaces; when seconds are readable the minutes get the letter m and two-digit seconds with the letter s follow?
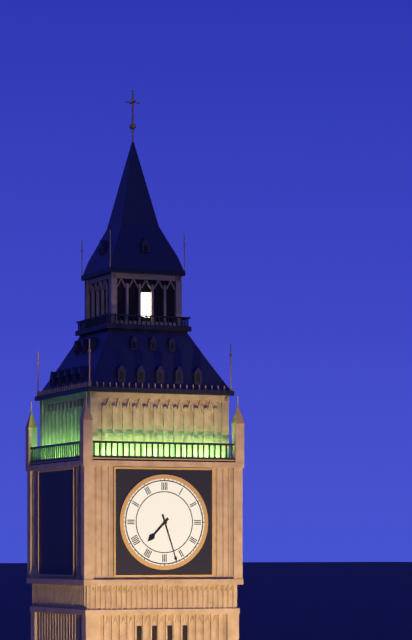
7h27
